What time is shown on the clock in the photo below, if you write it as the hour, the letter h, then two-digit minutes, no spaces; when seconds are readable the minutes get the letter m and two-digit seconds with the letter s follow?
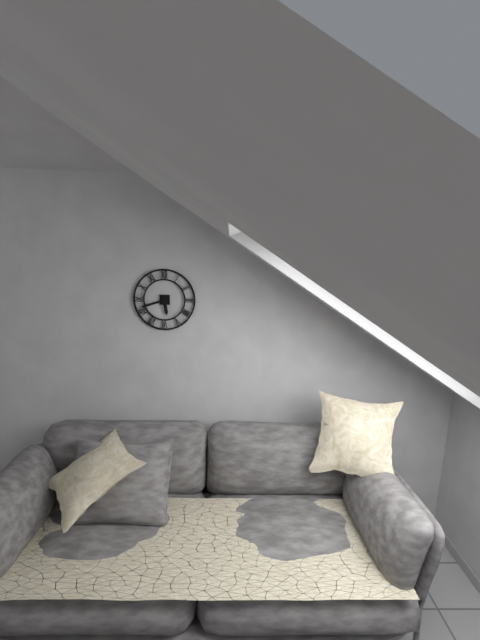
5h42
